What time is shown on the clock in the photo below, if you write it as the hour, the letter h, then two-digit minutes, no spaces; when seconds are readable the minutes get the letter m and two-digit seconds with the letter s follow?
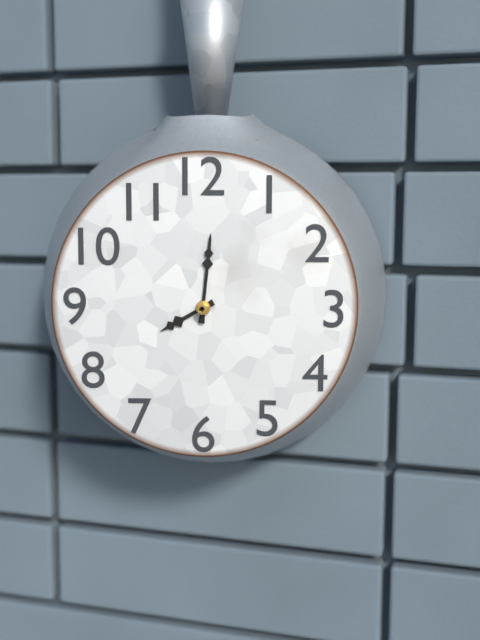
8h01
